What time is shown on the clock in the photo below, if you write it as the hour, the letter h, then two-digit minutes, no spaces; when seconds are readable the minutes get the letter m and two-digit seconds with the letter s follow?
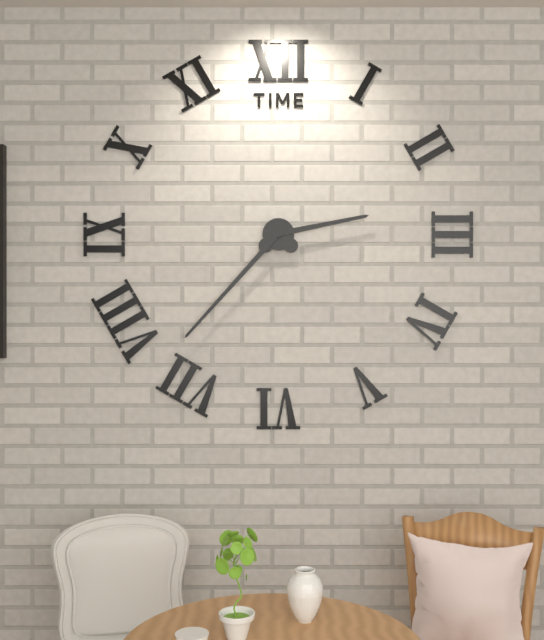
2h37
